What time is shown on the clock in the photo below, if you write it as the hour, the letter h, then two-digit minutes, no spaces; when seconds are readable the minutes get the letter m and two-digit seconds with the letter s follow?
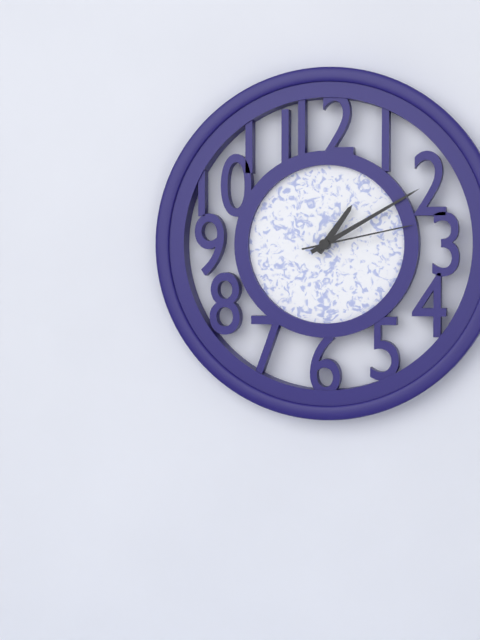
1h10m13s
